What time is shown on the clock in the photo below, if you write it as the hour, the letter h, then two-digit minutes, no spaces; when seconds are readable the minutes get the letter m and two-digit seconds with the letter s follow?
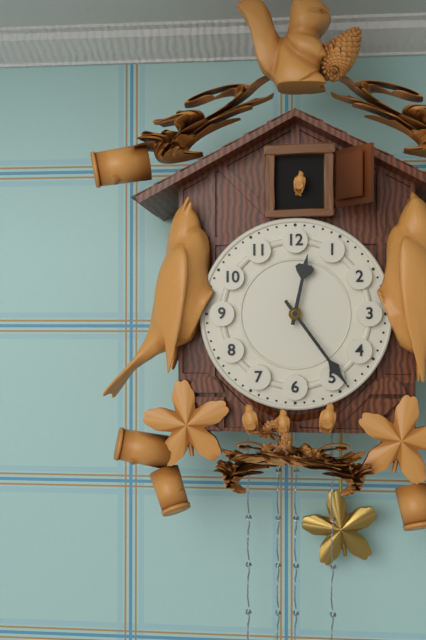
12h24
